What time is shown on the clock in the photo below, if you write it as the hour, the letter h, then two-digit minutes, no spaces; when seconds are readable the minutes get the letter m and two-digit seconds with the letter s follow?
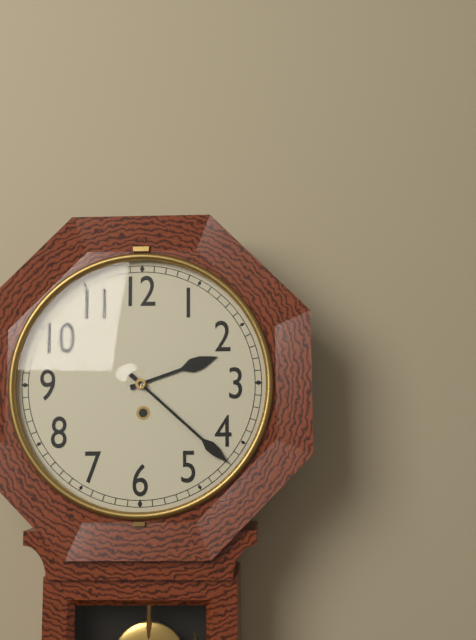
2h22
